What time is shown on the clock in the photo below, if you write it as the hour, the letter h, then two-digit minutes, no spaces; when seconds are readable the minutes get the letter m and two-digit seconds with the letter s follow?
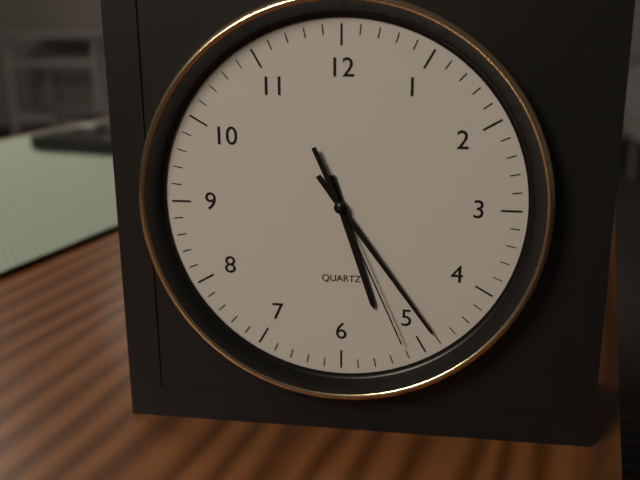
5h24m26s
